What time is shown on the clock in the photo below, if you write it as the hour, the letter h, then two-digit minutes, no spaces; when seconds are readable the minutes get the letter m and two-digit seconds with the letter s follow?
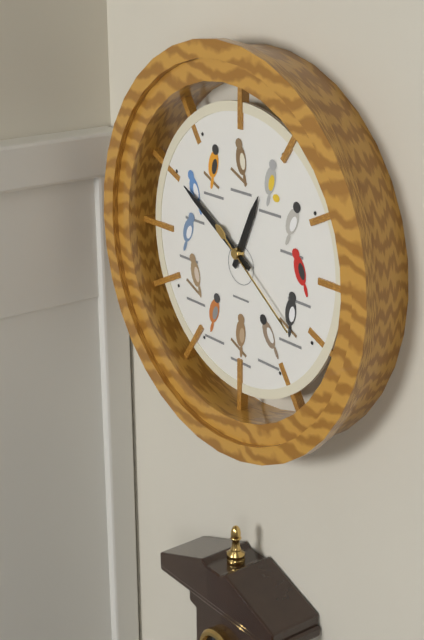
12h50m21s
